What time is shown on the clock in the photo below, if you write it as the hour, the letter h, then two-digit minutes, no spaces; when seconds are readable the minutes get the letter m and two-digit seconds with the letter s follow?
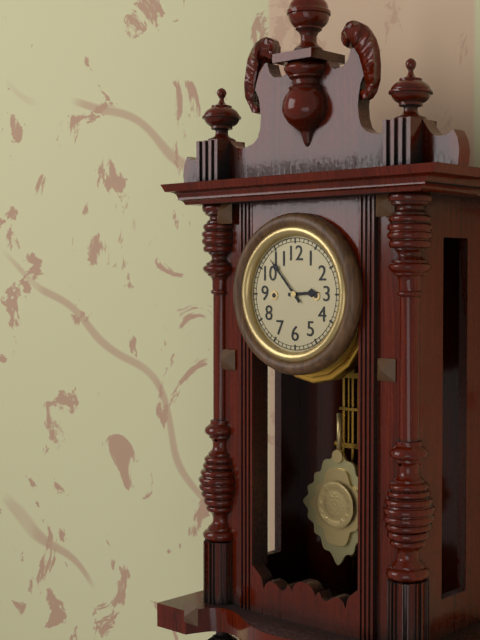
2h53
